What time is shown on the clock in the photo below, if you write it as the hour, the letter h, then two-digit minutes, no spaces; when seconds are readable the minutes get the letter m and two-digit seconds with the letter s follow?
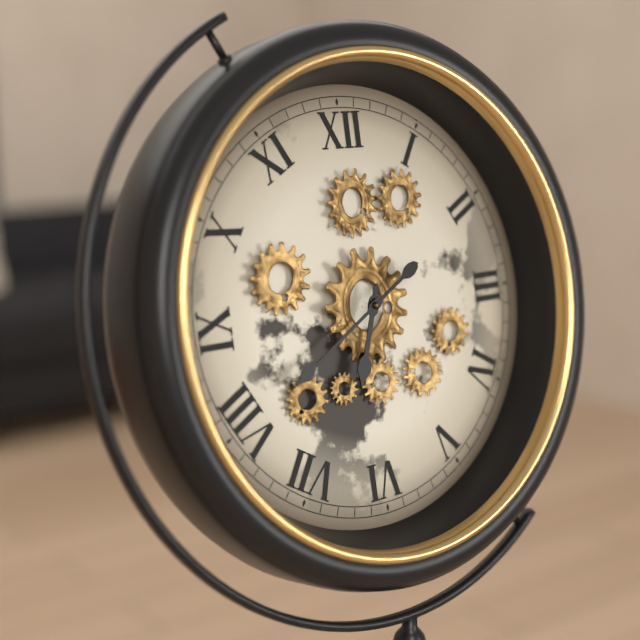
6h40
